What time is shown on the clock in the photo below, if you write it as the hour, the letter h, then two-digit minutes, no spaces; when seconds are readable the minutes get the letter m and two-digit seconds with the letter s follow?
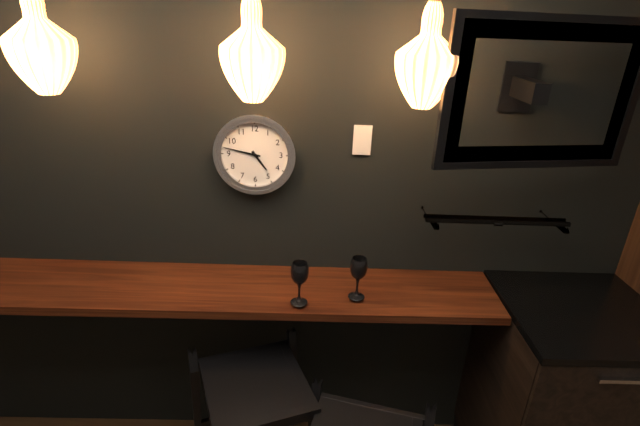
4h47
